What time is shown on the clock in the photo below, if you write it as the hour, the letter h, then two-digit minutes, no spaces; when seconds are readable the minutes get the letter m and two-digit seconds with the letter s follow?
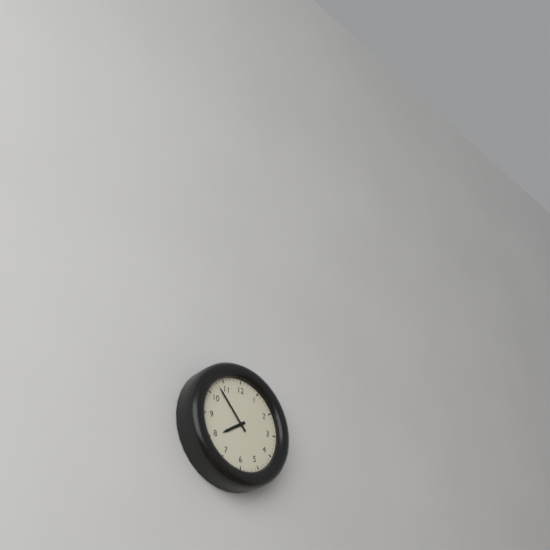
7h53
